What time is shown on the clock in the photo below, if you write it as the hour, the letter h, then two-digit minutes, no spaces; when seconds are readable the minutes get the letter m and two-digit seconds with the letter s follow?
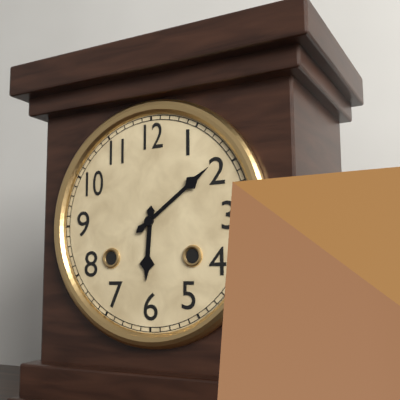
6h09
